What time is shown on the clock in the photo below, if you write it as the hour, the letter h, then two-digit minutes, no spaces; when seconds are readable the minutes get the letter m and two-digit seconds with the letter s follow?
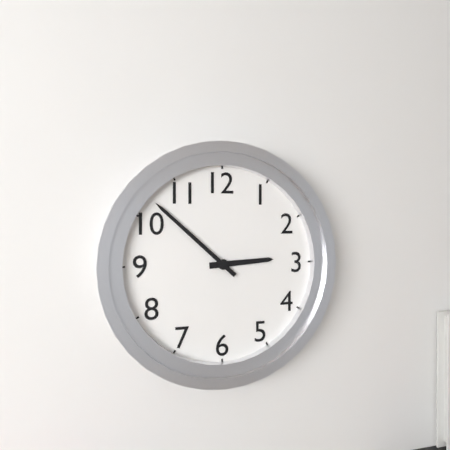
2h52
